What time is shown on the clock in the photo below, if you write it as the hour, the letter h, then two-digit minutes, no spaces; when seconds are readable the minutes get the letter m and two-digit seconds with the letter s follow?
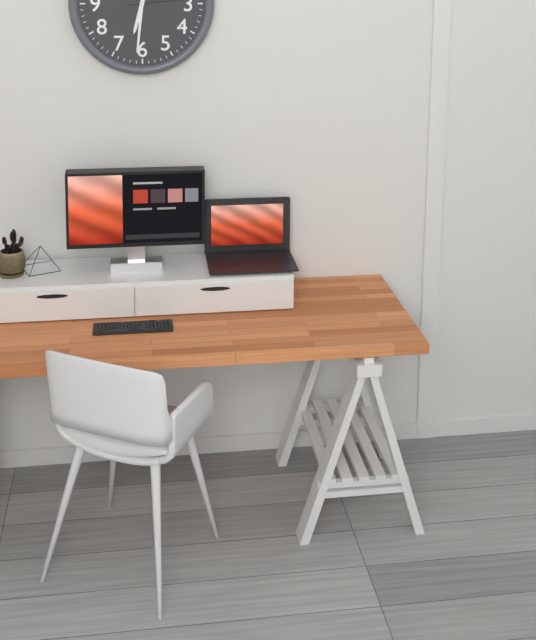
6h31
